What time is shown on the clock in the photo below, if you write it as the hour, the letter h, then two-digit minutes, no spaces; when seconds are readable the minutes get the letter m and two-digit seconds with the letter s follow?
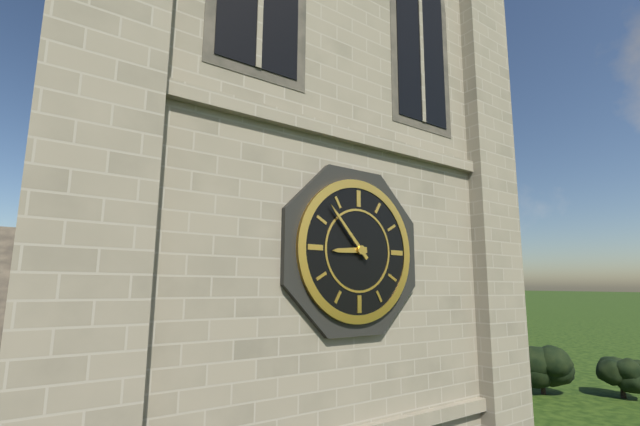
8h53
